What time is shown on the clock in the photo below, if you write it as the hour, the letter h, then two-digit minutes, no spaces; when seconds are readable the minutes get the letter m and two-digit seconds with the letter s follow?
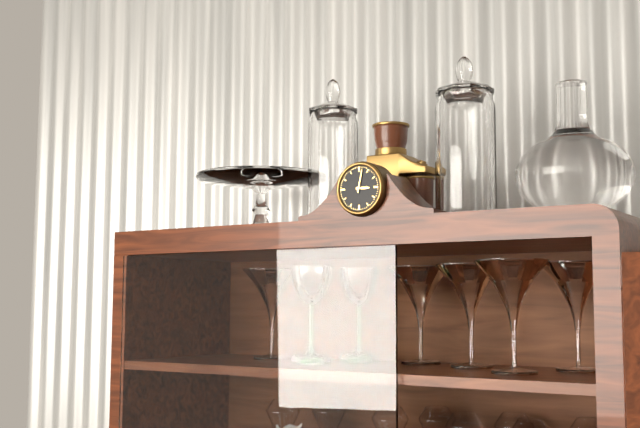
3h02
